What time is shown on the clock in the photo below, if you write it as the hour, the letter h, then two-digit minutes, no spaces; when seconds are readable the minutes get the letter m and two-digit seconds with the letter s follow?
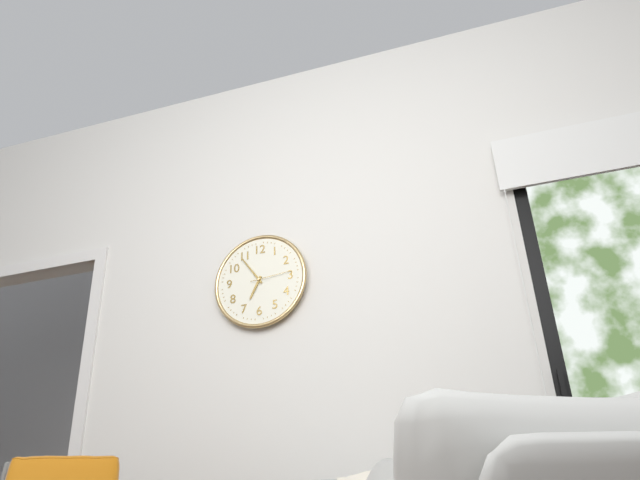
6h54
